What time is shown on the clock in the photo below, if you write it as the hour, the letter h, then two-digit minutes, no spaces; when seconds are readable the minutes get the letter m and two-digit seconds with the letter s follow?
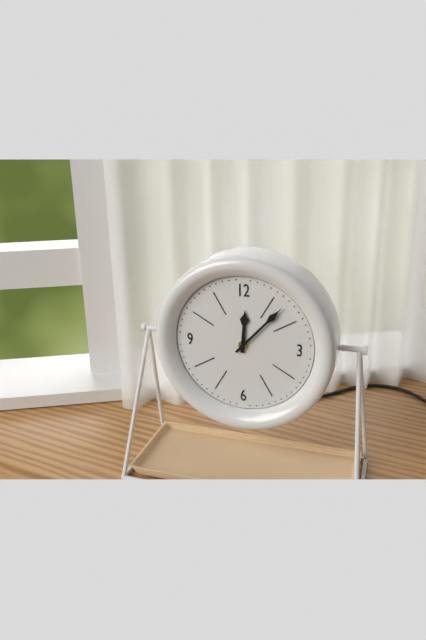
12h07
